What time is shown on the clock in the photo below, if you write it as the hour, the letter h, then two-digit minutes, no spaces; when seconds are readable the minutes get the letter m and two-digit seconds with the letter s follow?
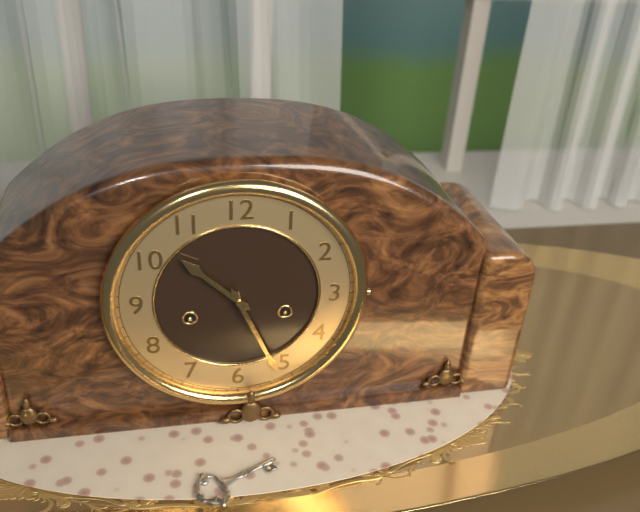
10h26
